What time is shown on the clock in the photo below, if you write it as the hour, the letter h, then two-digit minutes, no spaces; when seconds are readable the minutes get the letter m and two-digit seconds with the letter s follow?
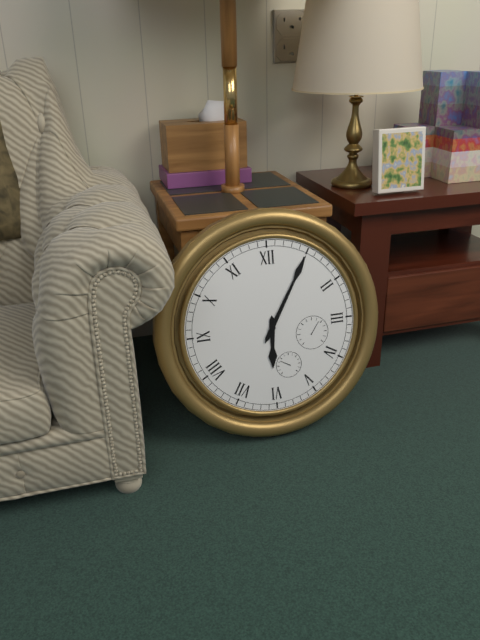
6h05
